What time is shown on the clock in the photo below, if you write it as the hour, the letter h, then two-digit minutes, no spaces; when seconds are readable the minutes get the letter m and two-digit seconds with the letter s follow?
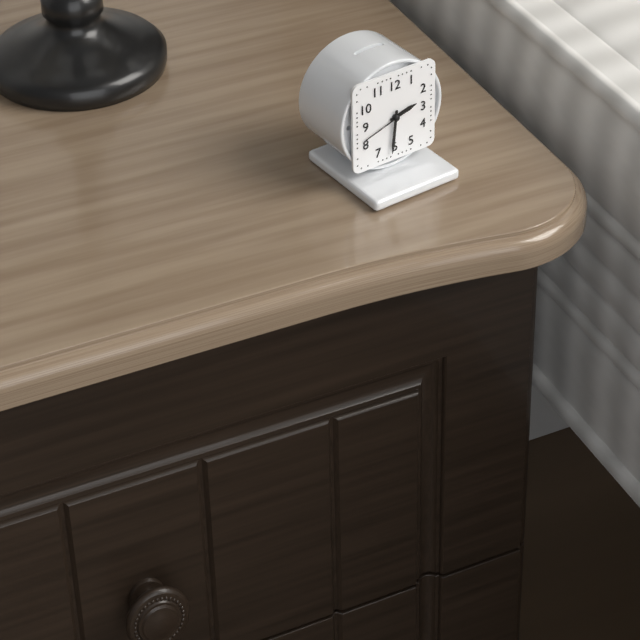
2h31
